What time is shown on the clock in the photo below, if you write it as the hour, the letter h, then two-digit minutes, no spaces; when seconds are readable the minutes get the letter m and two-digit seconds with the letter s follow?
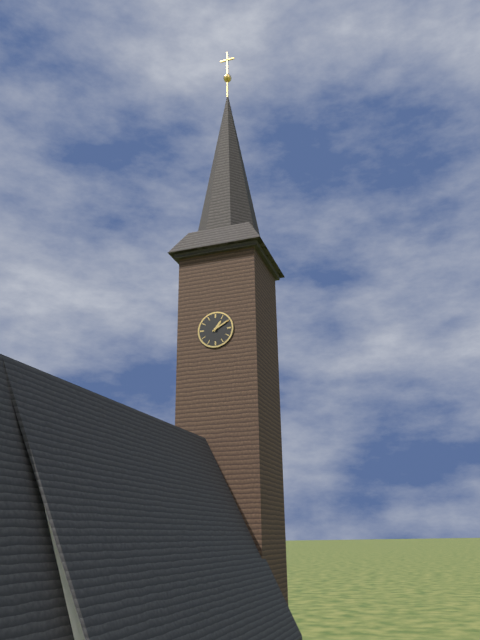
1h10
